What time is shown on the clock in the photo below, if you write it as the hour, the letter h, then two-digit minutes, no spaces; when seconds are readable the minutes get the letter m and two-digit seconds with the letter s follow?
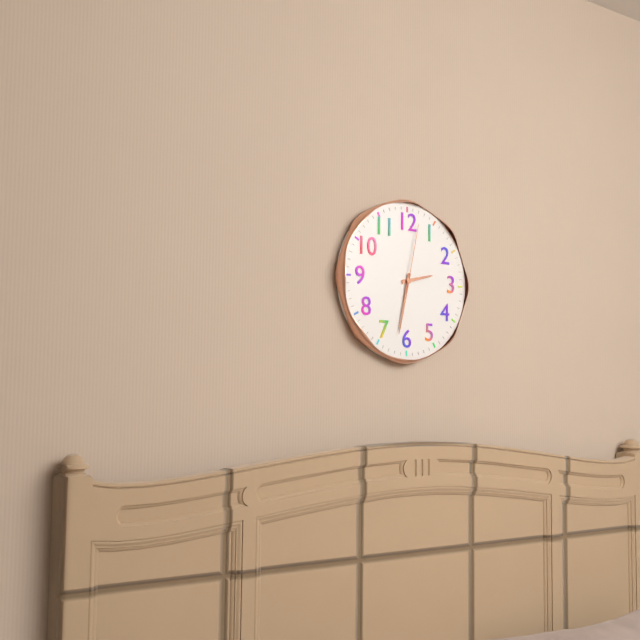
2h32m02s
